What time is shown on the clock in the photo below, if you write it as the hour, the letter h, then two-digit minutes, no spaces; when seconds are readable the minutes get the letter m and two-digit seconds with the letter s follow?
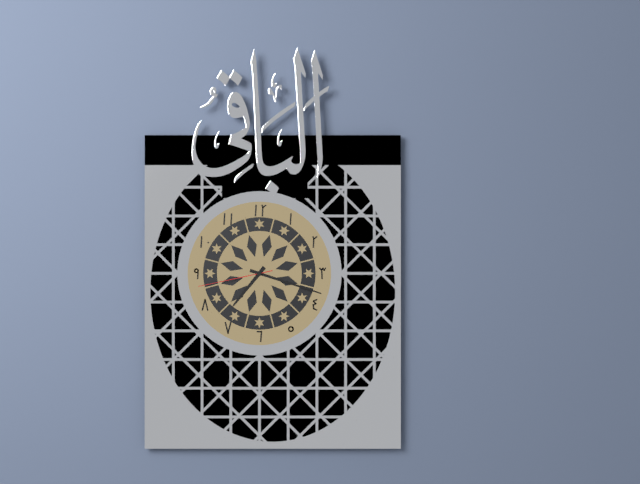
7h18m43s
